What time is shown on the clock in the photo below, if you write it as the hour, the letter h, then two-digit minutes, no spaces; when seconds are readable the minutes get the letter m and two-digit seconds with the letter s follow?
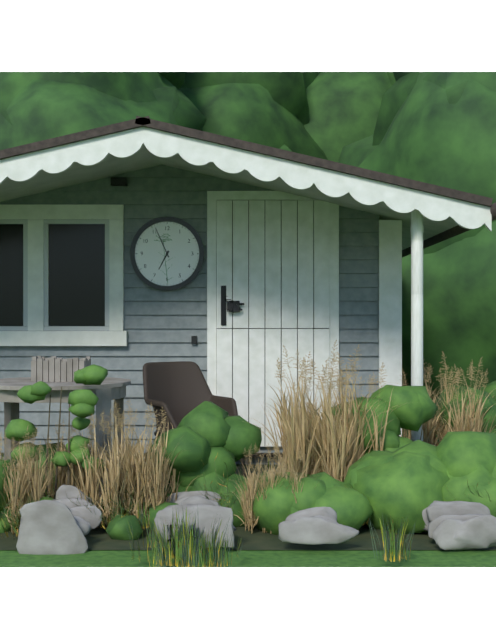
6h56
